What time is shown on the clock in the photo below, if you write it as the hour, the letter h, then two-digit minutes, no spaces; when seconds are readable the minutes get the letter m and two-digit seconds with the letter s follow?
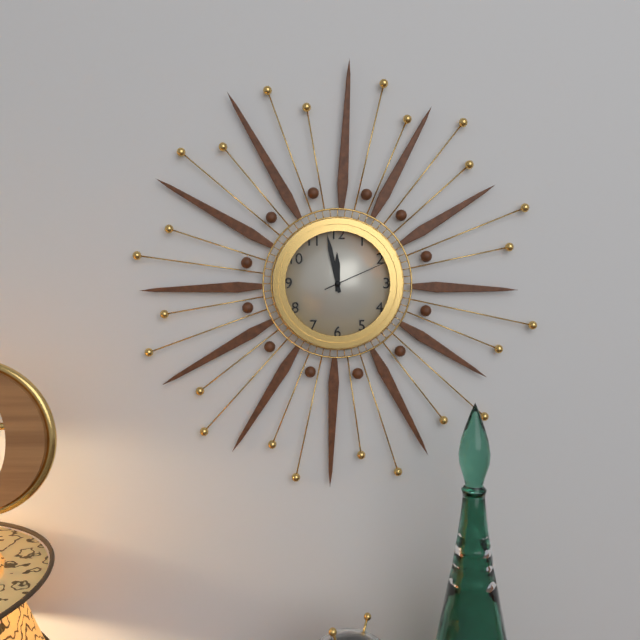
11h58m11s
